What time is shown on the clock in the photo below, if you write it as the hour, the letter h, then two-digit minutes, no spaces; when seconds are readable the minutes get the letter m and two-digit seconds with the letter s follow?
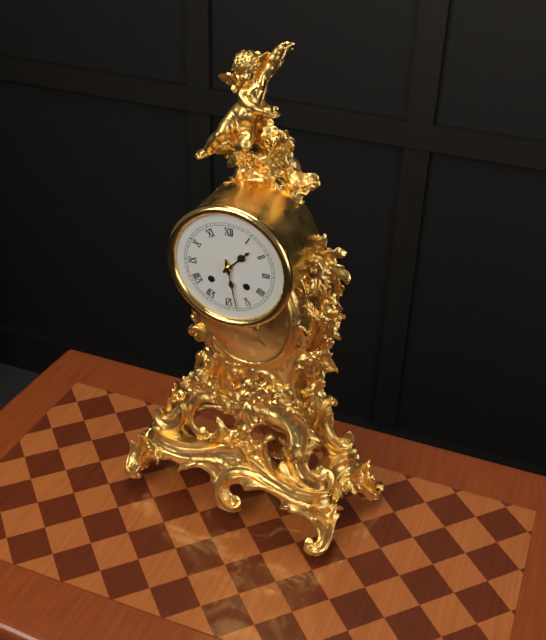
1h28
